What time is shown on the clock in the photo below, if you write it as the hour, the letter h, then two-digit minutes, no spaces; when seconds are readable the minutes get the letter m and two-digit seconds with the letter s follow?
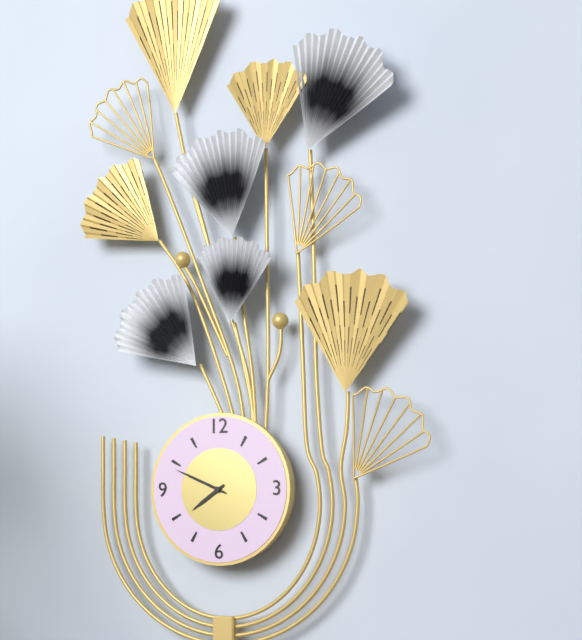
7h49
